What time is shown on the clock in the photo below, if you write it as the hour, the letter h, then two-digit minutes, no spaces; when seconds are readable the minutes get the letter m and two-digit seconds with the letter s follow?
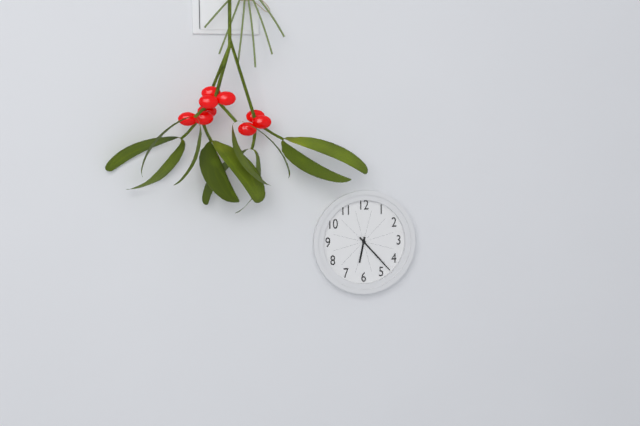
6h23
